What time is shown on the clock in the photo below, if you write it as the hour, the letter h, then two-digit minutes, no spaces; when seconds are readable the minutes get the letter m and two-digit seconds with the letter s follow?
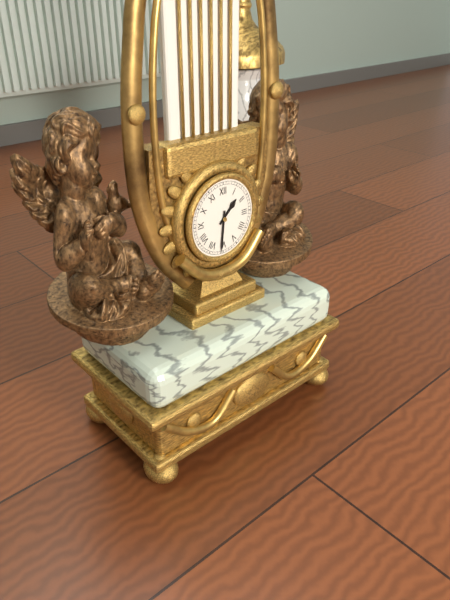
1h31
